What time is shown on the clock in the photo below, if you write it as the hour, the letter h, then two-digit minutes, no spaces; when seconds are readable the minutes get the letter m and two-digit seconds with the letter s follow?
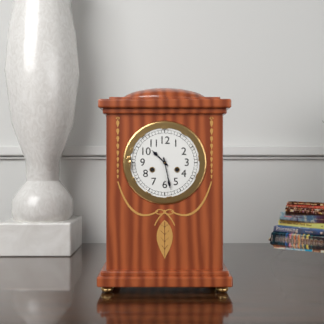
10h28
